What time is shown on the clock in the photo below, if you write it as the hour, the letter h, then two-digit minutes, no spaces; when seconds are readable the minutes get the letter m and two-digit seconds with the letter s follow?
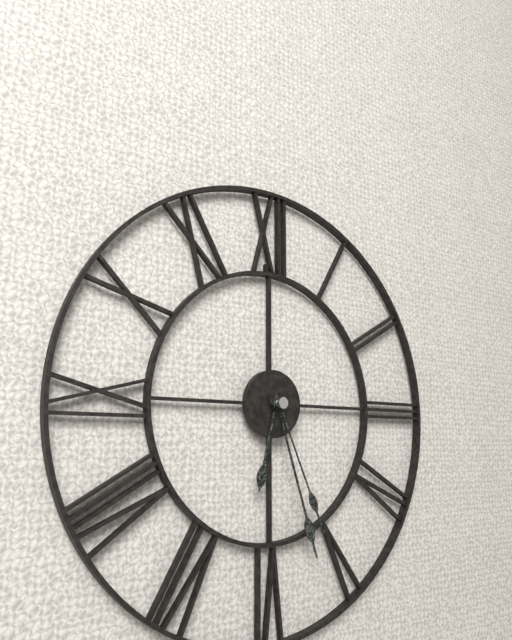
6h27m26s
